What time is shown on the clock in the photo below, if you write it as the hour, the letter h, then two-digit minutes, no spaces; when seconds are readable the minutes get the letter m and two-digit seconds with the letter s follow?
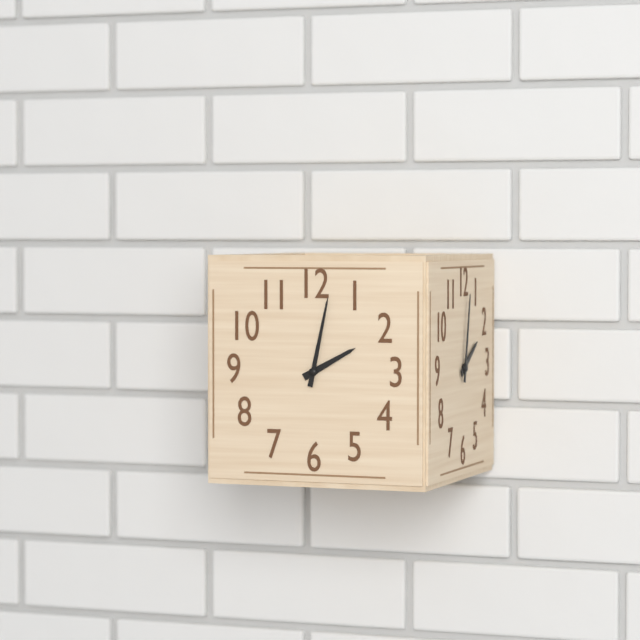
2h02
